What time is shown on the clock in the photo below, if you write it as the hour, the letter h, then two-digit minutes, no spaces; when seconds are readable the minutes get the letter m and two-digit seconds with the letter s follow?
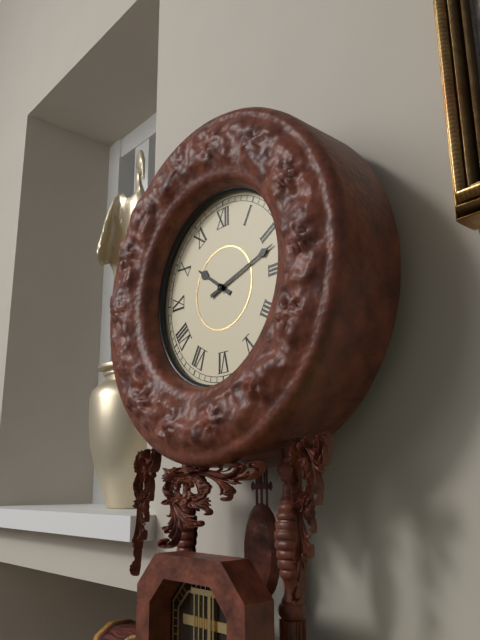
10h12
